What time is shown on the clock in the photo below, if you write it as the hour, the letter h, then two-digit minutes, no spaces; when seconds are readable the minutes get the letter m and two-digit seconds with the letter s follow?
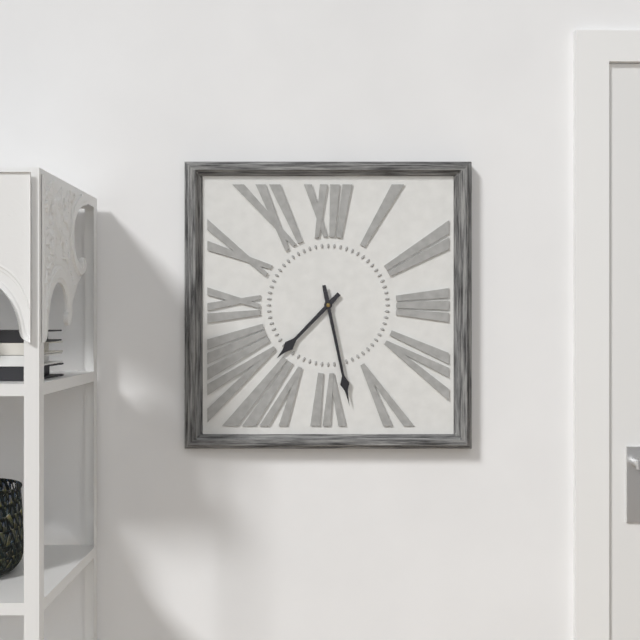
7h28
